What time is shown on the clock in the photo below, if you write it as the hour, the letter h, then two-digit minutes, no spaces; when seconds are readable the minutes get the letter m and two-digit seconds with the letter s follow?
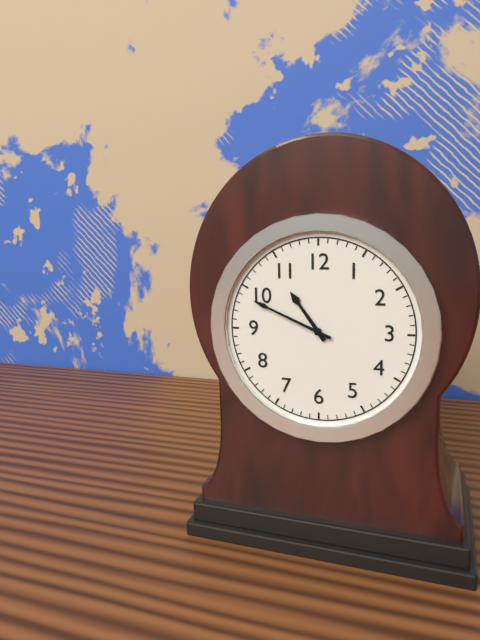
10h49
